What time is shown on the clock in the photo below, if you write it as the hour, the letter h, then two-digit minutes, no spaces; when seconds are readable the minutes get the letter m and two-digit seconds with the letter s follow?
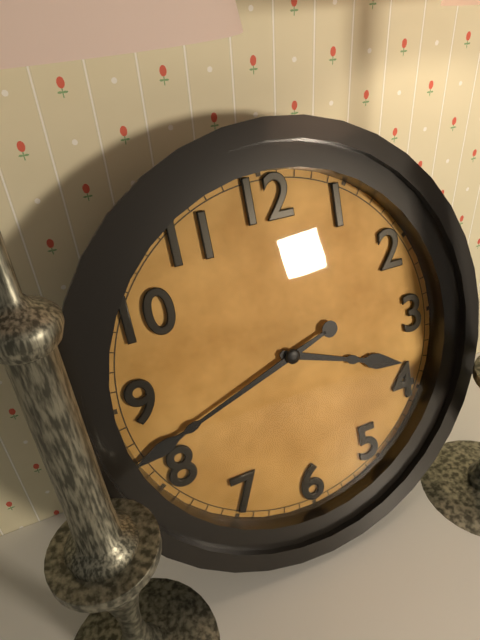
3h42
